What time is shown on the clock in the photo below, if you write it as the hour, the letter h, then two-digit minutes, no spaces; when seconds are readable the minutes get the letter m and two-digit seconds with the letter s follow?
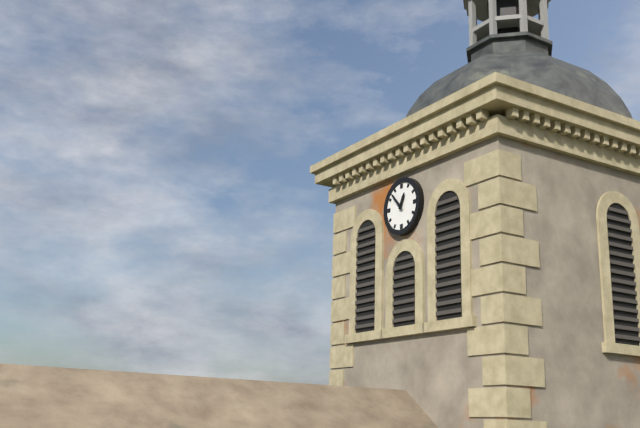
12h53
